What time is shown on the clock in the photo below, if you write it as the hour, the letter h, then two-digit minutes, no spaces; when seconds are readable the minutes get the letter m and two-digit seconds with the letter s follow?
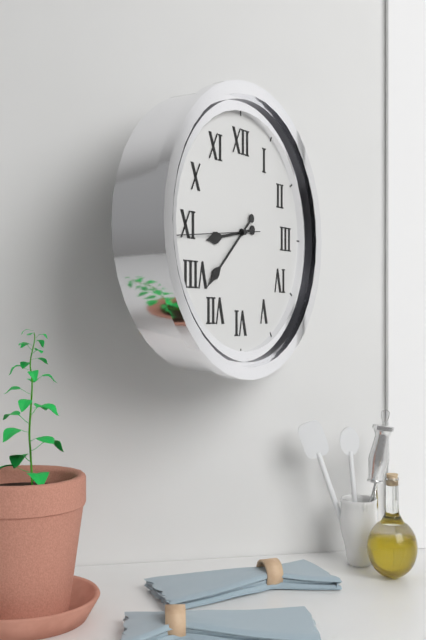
8h38m44s
